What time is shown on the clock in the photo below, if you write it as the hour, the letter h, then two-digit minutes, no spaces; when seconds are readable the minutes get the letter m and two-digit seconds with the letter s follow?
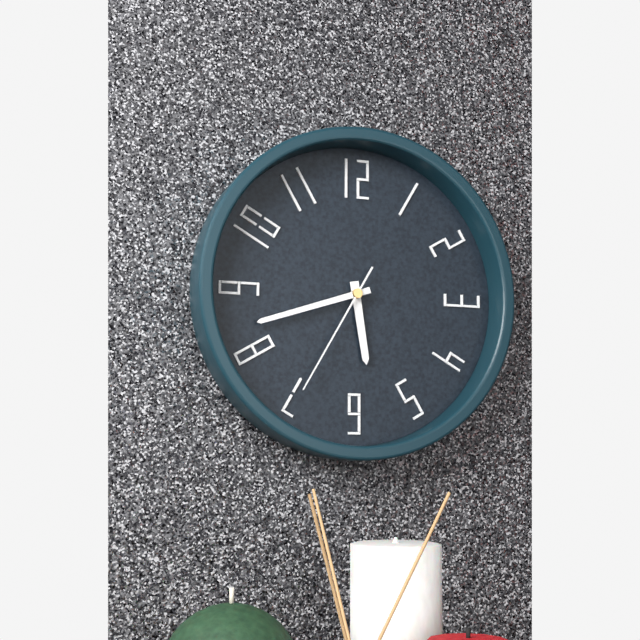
5h42m35s
